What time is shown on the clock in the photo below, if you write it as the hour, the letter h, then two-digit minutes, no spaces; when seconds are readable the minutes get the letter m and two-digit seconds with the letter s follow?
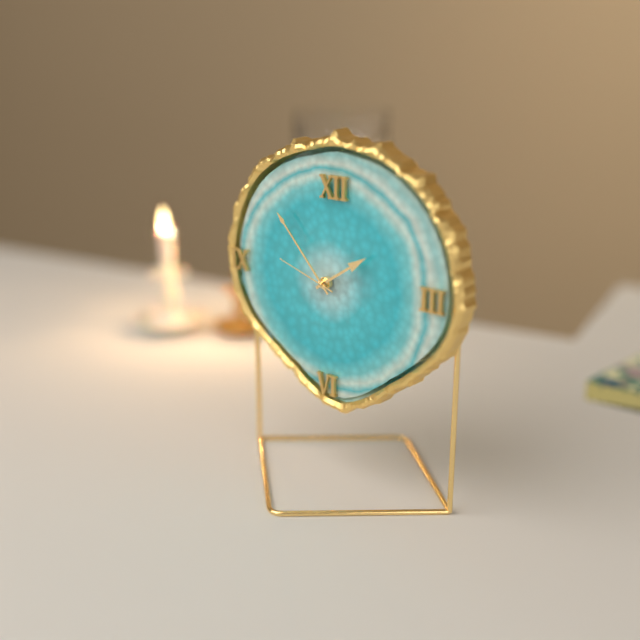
1h53m48s
